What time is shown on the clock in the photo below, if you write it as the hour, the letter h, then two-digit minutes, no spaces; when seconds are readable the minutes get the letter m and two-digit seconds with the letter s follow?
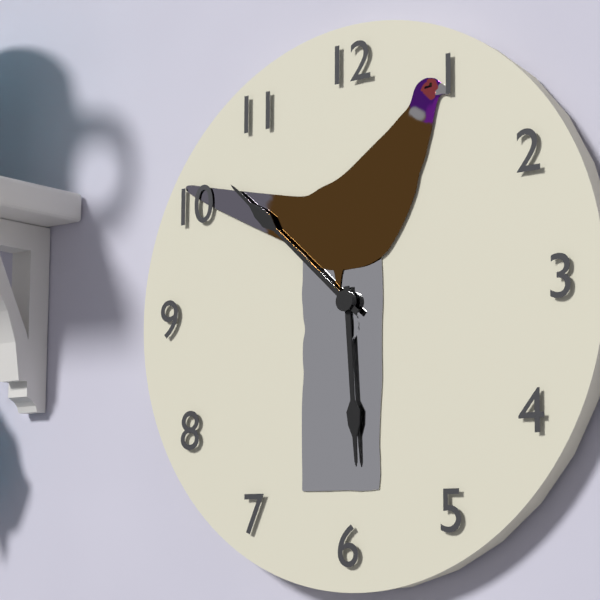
5h52
